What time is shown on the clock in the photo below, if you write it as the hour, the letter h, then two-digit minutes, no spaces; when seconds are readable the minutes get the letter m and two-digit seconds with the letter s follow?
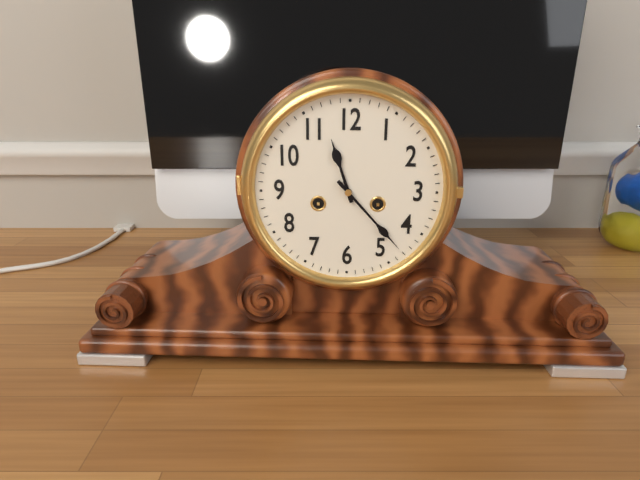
11h23
